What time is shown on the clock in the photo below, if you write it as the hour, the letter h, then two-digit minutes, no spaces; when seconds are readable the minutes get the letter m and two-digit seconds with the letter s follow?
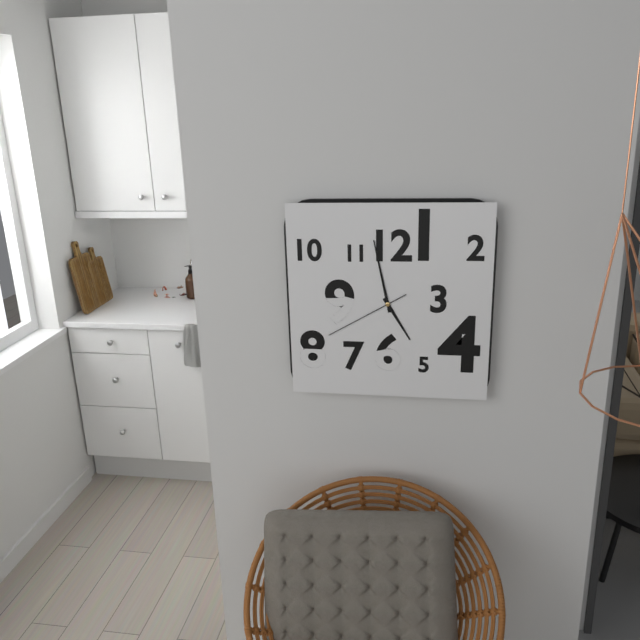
4h58m40s
